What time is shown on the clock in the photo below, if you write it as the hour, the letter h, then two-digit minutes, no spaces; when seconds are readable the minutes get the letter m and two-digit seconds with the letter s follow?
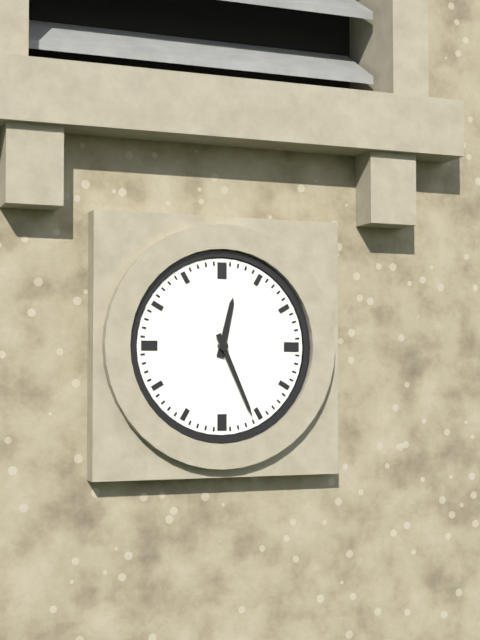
12h26
